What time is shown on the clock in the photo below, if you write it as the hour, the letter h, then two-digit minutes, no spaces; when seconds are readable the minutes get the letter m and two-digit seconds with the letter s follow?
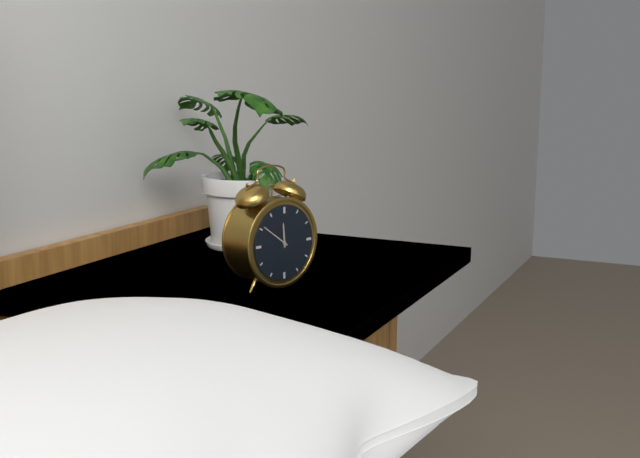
11h51
